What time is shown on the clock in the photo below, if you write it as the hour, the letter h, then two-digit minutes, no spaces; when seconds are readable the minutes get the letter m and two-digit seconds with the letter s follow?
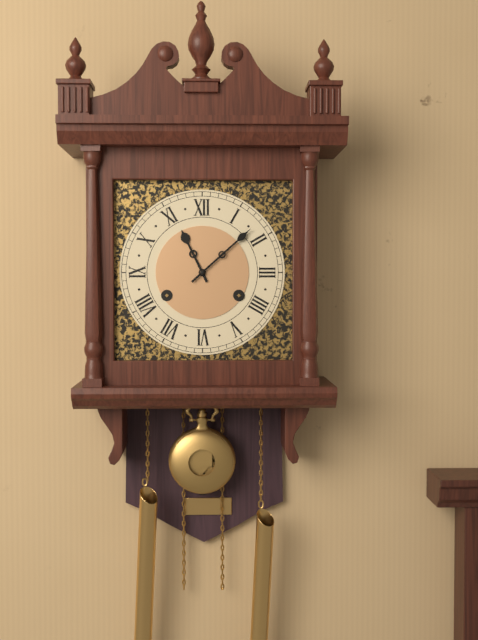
11h08
